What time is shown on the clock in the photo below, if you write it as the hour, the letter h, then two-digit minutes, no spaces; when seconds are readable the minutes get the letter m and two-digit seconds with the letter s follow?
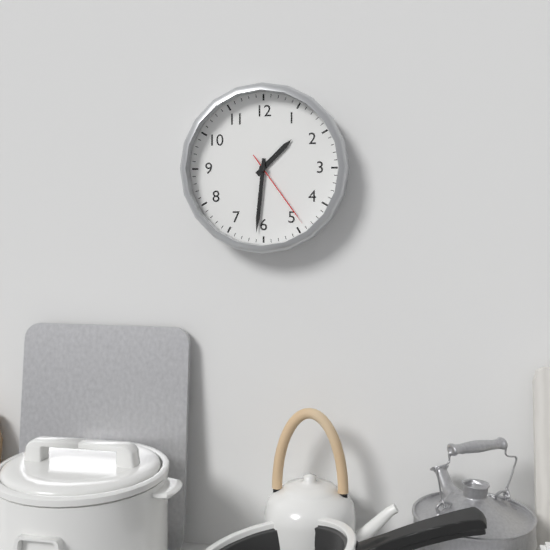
1h31m24s
